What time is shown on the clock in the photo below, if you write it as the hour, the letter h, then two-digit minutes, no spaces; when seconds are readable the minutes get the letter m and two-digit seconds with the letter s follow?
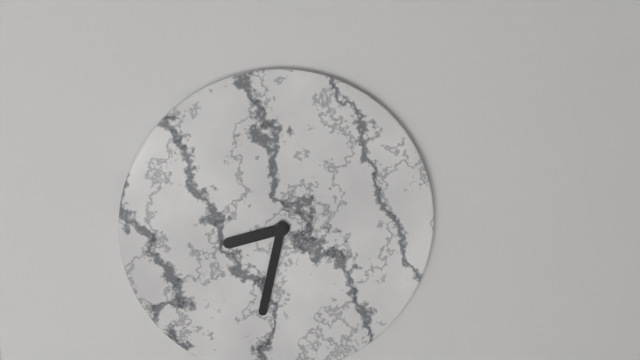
8h32
